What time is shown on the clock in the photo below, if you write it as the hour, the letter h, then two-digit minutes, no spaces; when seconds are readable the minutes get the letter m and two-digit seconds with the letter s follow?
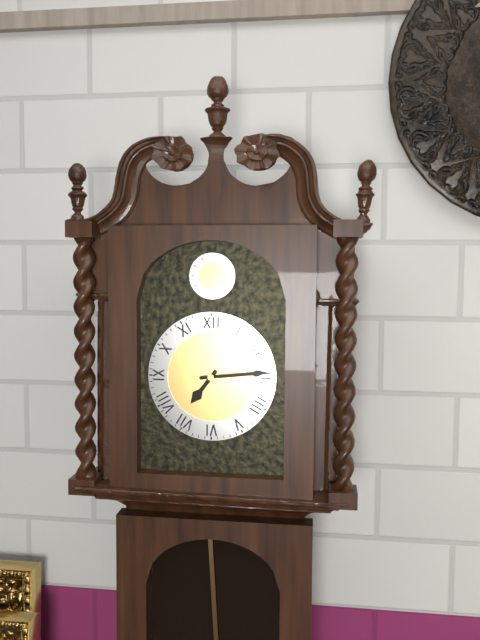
7h14
